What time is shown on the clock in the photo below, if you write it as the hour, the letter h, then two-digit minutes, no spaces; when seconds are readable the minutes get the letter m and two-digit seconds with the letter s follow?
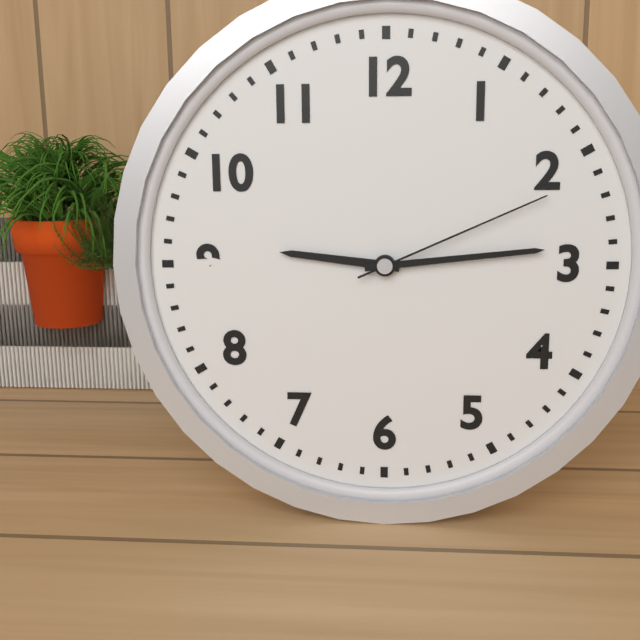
9h14m11s
